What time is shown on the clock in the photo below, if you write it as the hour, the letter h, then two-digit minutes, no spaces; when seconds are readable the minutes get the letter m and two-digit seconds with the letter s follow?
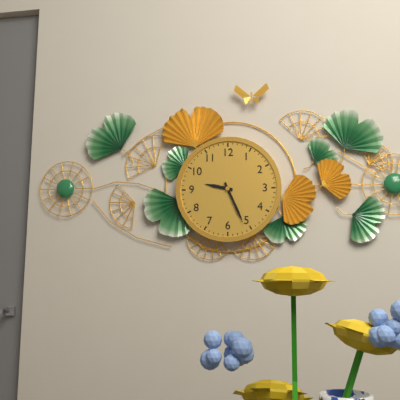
9h26
